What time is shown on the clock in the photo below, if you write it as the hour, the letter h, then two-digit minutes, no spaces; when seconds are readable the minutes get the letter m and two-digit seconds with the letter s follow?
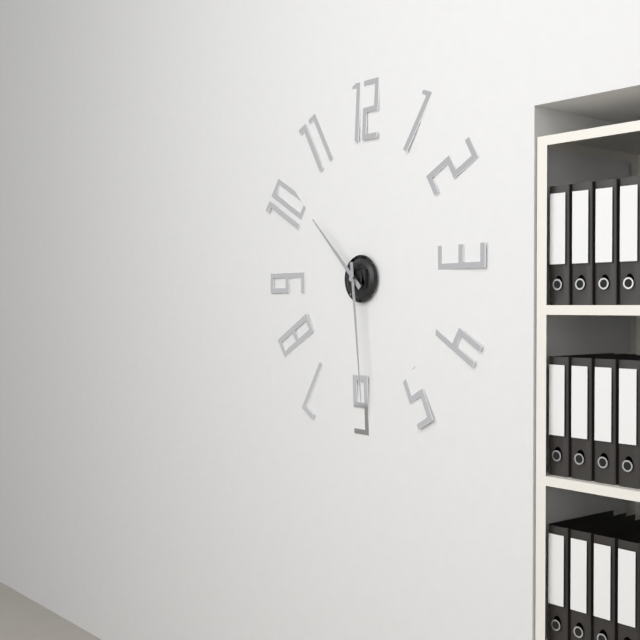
10h29
